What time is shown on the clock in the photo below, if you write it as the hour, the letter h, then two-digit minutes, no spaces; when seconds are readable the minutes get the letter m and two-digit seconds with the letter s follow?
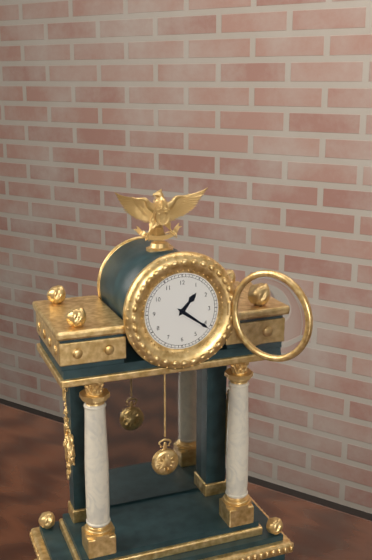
1h21
